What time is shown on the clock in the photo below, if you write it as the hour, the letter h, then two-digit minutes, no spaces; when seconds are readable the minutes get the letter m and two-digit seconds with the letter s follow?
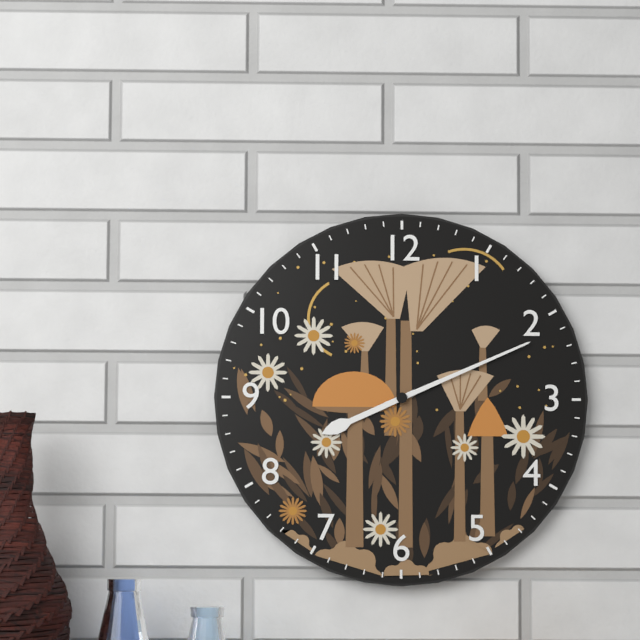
8h11
